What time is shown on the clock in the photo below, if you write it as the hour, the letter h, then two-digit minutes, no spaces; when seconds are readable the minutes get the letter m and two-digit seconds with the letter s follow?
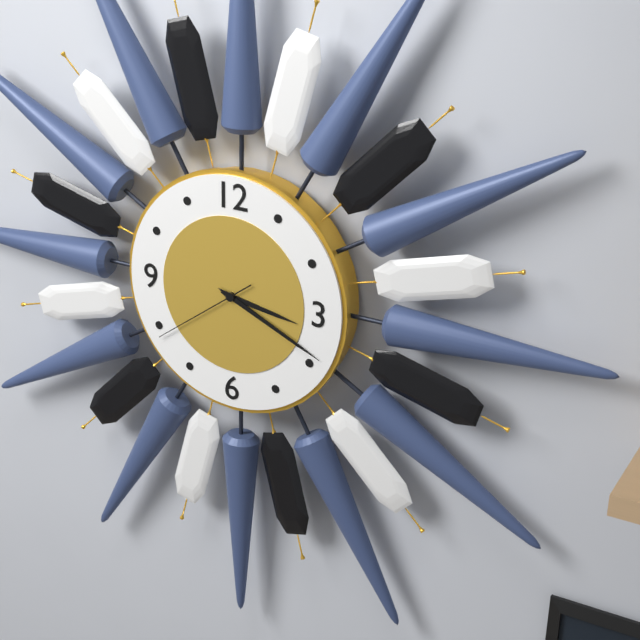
3h19m39s
